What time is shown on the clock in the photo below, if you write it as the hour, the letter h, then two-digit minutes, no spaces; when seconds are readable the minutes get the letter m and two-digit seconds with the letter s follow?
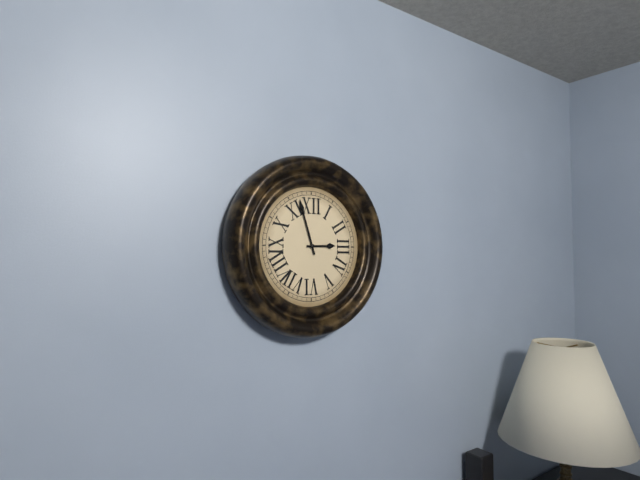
2h57
